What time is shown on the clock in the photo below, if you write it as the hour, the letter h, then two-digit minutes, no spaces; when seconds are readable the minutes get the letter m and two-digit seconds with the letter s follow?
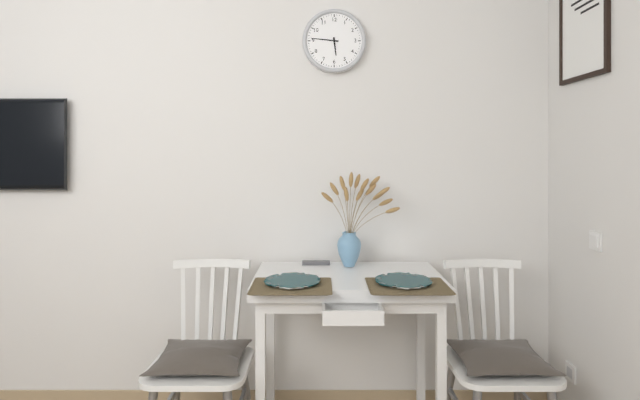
5h46
